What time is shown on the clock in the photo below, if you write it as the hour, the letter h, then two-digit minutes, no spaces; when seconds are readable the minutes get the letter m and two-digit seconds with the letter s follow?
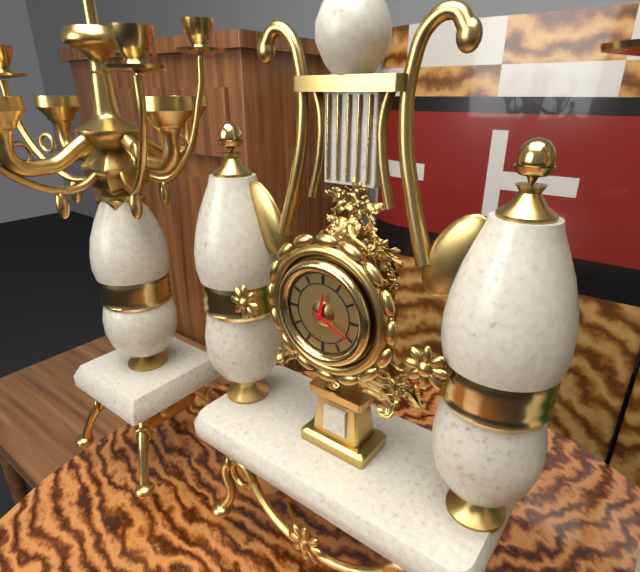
12h19
